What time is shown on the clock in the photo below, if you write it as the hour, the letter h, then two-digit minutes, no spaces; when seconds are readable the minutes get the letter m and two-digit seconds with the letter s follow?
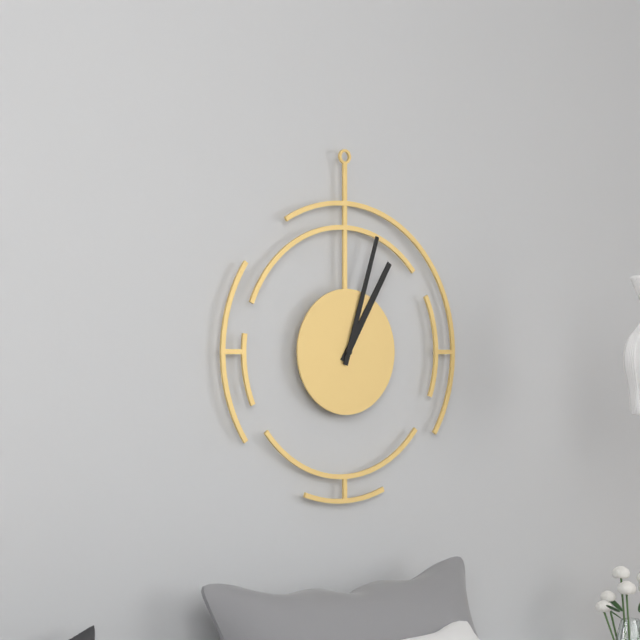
1h03
